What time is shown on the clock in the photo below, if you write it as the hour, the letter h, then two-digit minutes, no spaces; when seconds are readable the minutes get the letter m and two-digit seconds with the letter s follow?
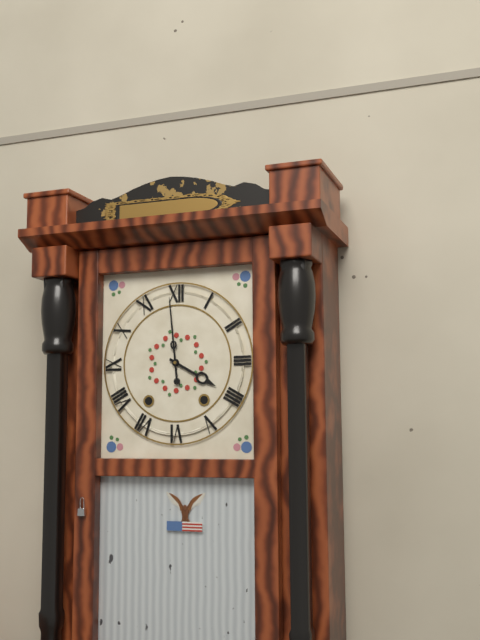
3h59
